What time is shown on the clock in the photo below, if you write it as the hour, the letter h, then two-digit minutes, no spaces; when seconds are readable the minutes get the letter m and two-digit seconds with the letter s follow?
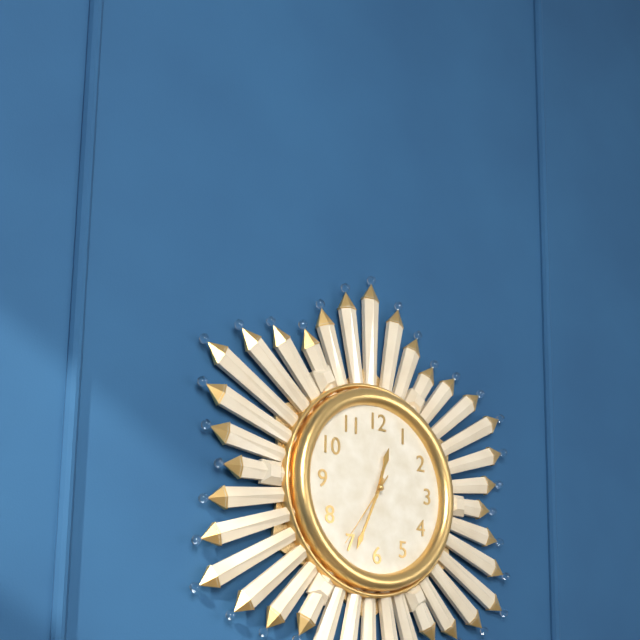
12h34m36s
